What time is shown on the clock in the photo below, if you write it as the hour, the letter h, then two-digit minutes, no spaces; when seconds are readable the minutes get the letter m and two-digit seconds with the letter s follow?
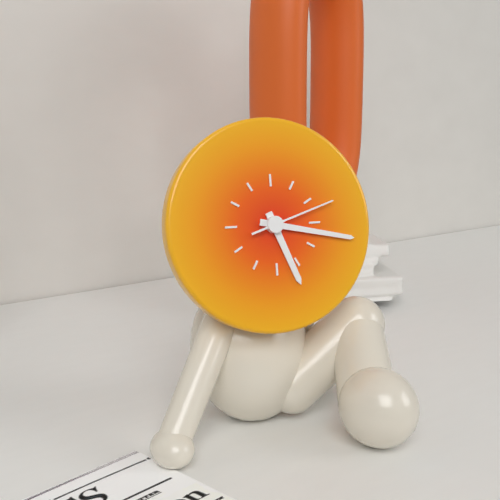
5h17m12s
